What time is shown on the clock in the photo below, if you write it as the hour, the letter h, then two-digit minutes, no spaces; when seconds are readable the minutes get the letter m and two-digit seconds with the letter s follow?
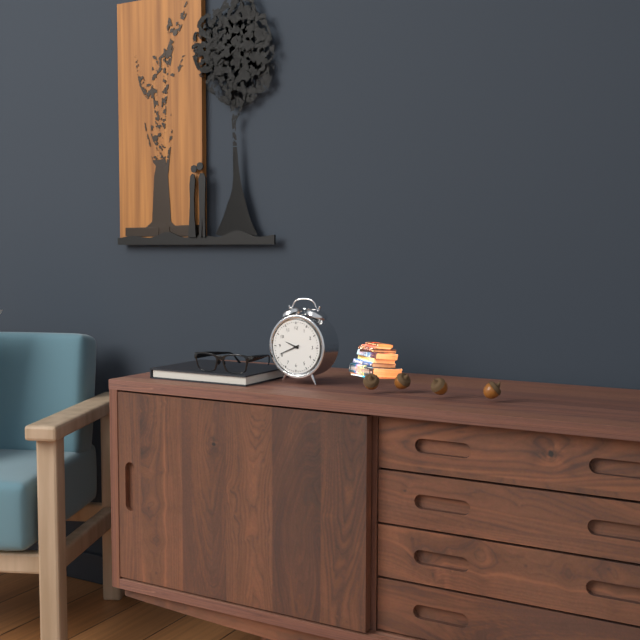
9h41
